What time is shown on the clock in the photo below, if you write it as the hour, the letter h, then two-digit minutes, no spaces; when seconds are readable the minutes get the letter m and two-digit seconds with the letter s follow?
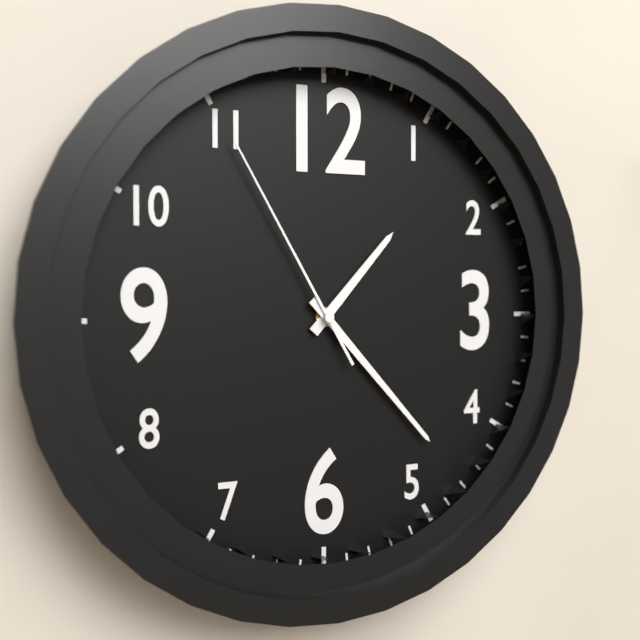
1h23m55s
